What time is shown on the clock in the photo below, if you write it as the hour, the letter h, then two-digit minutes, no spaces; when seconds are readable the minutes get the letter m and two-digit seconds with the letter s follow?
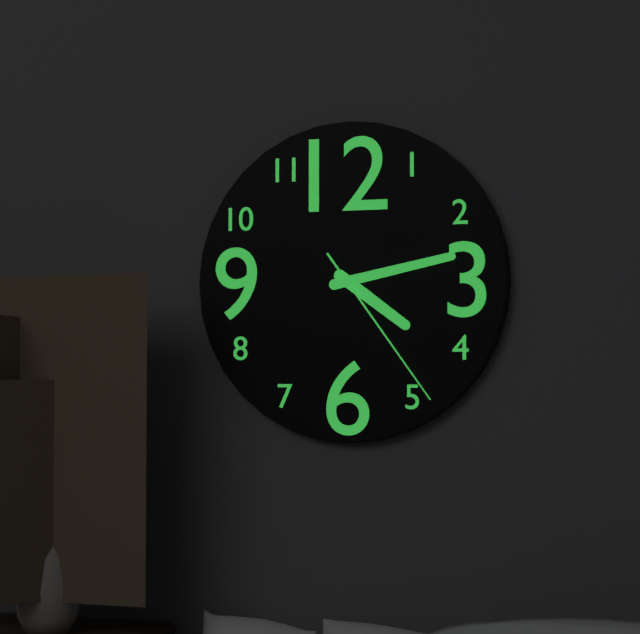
4h13m24s
